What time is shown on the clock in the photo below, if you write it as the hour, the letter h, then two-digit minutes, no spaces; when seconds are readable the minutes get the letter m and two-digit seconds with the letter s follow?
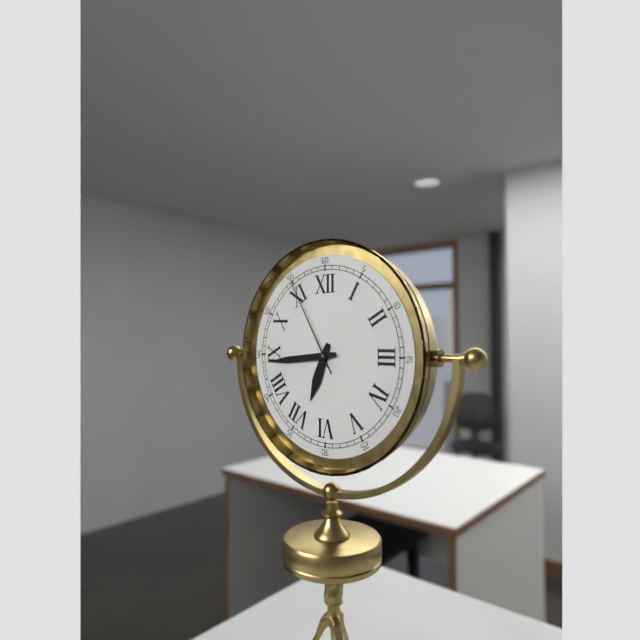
6h44m55s
